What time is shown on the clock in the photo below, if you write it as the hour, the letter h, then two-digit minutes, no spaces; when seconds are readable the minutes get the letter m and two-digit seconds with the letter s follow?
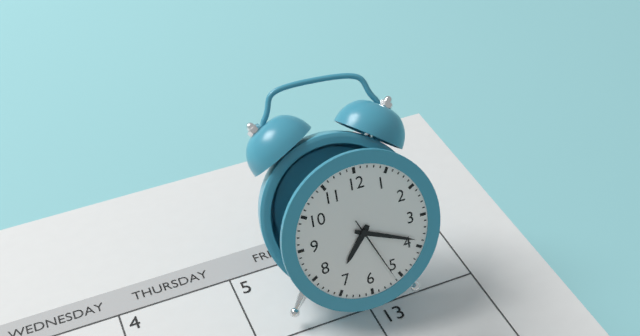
7h19m26s
